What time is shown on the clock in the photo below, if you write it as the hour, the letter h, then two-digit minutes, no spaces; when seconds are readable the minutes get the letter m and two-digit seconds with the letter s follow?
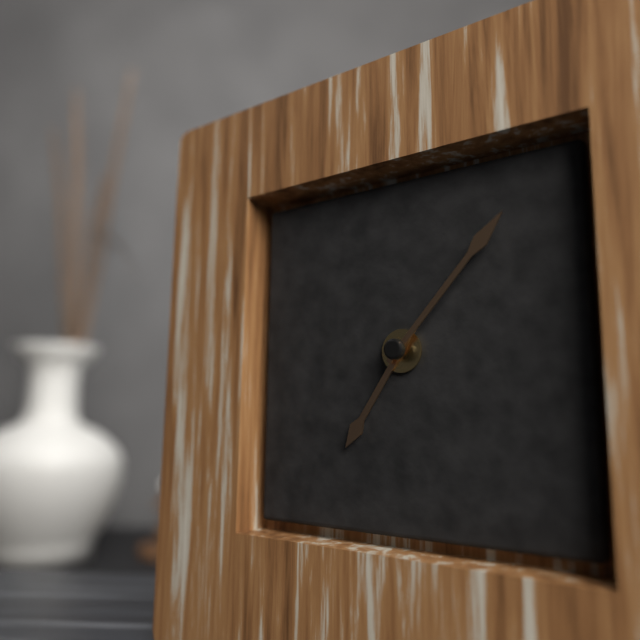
7h07
